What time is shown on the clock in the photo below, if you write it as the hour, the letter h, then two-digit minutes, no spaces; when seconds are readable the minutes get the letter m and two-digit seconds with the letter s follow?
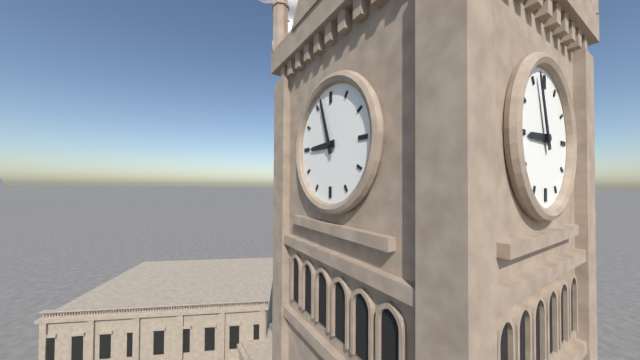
8h57
